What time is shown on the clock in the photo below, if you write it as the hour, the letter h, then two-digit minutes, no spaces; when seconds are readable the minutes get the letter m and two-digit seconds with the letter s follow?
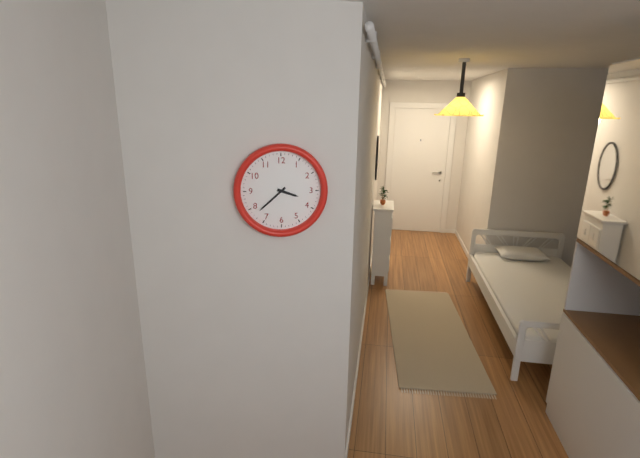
3h38
